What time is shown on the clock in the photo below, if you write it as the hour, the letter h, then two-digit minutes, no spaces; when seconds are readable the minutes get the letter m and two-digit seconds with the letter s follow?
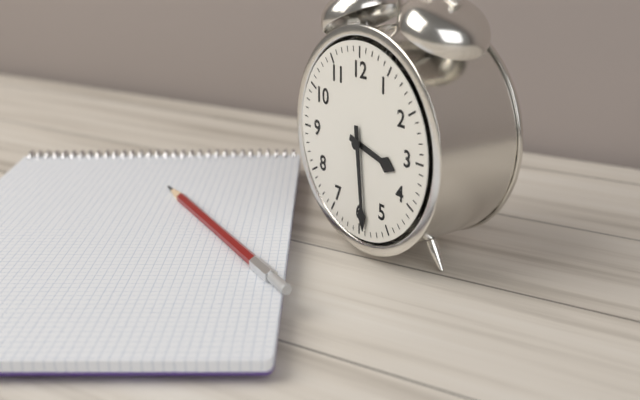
3h29
